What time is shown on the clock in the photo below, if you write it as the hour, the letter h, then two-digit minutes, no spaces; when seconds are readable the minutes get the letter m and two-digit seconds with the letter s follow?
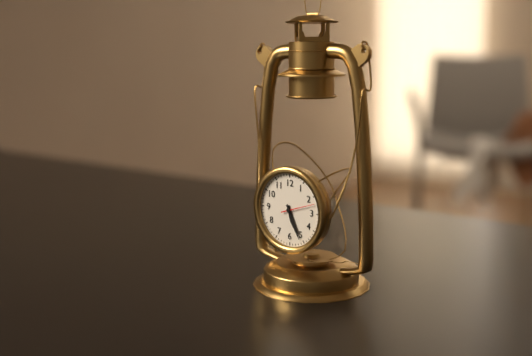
5h26
